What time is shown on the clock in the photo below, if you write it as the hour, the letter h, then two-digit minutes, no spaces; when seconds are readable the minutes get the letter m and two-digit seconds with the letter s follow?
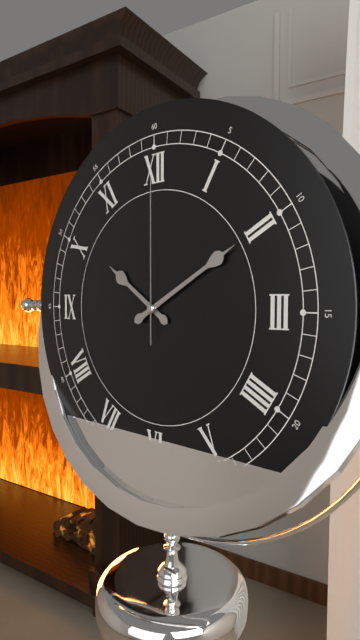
10h10m00s
